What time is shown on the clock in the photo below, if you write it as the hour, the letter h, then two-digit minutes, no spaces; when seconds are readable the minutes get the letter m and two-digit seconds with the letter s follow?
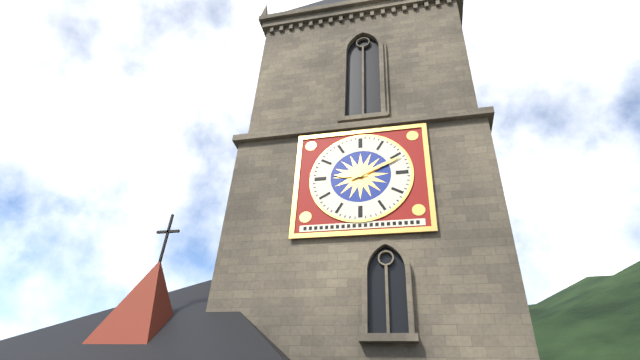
9h11
